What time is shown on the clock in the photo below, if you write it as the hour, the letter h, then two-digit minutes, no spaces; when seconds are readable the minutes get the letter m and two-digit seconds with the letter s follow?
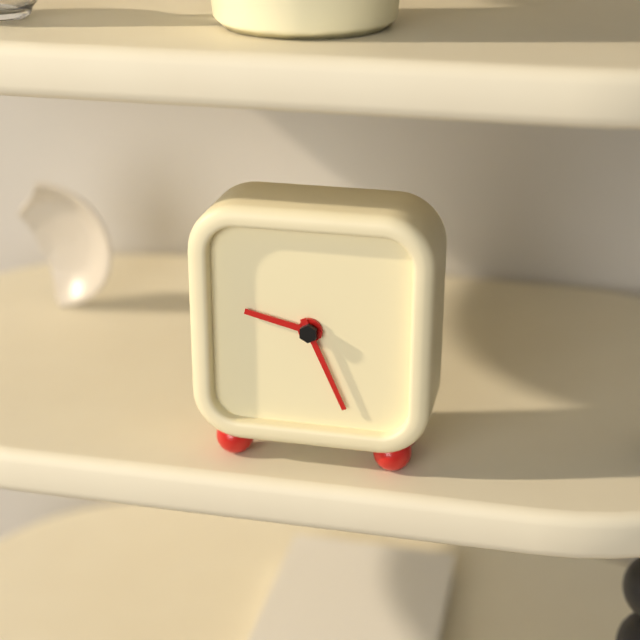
9h26
